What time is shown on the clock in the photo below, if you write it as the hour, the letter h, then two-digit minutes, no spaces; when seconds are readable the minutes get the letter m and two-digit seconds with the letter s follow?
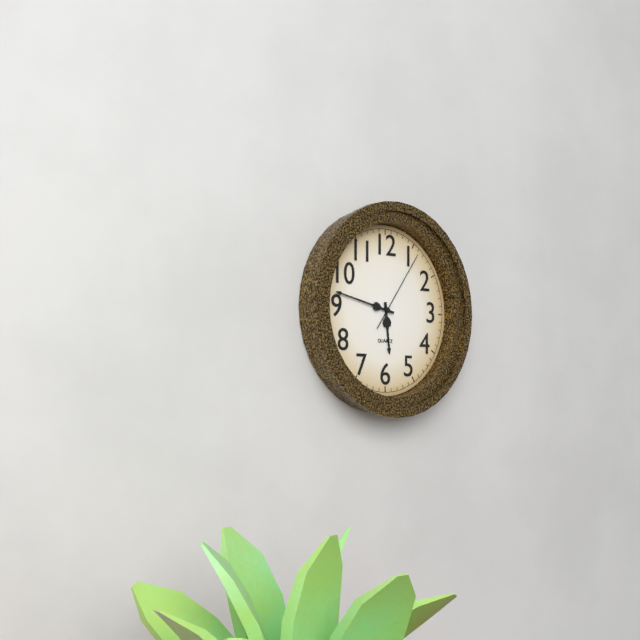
5h47m06s
